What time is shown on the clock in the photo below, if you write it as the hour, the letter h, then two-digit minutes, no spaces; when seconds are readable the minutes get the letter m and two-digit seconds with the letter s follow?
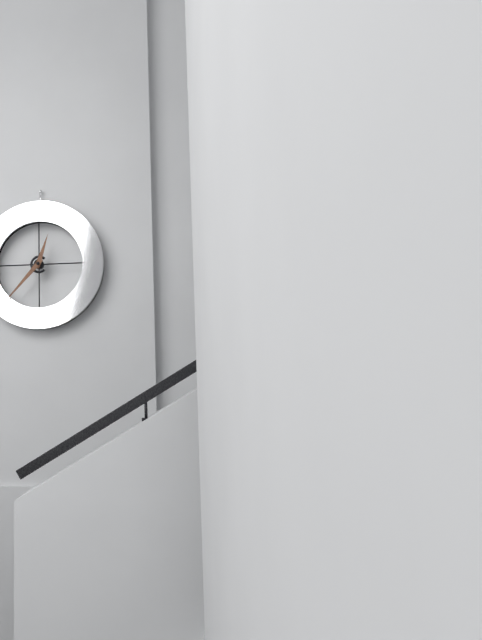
12h37
